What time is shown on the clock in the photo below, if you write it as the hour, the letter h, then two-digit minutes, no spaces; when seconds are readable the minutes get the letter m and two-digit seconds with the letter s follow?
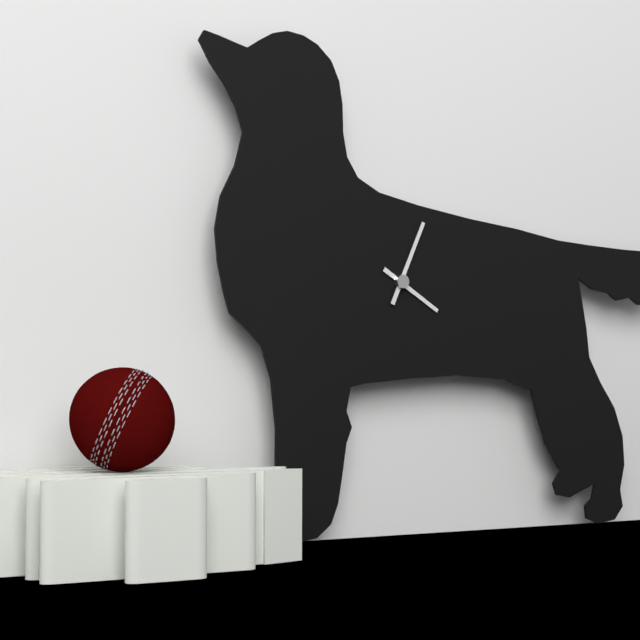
4h04
